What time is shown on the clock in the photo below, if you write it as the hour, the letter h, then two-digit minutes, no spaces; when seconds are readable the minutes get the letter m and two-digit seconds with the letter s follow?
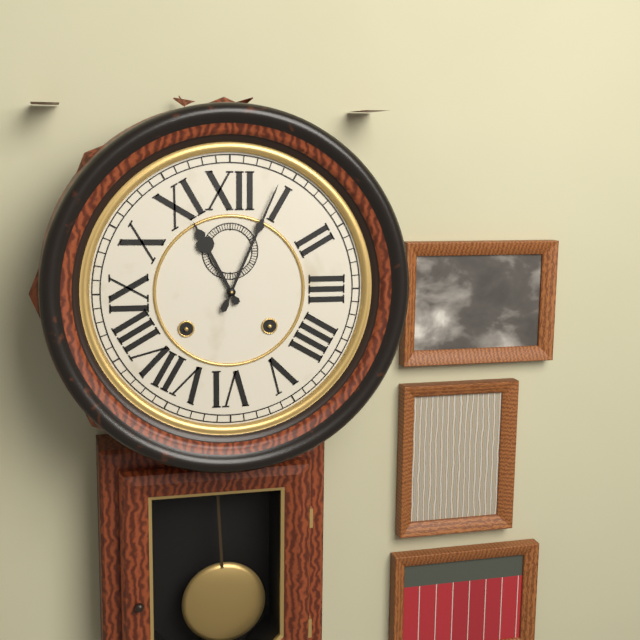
11h04
